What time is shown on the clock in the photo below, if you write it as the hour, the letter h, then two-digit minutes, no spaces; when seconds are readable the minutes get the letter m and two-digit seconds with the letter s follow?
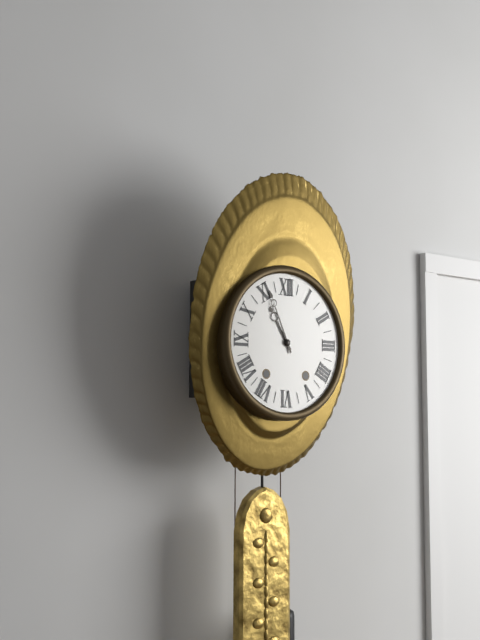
10h56
